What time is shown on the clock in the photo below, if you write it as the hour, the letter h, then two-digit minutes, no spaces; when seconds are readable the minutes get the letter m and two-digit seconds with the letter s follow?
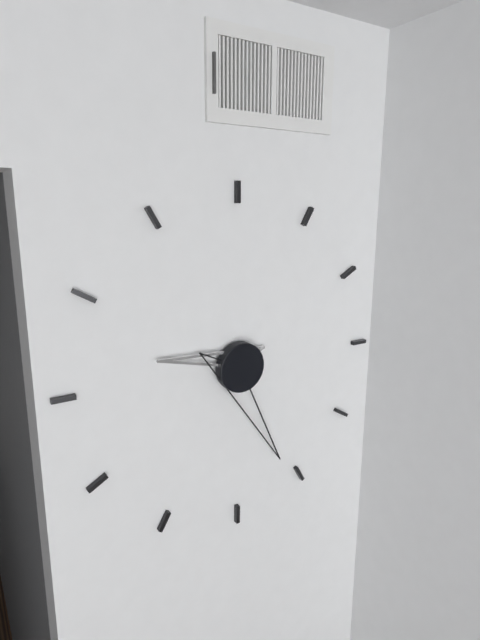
9h26
